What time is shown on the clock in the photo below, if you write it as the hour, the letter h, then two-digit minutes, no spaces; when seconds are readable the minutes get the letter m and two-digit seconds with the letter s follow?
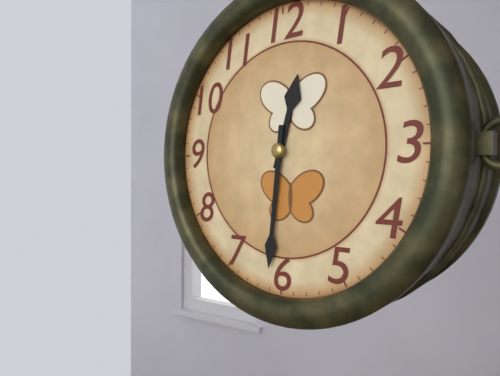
12h31
